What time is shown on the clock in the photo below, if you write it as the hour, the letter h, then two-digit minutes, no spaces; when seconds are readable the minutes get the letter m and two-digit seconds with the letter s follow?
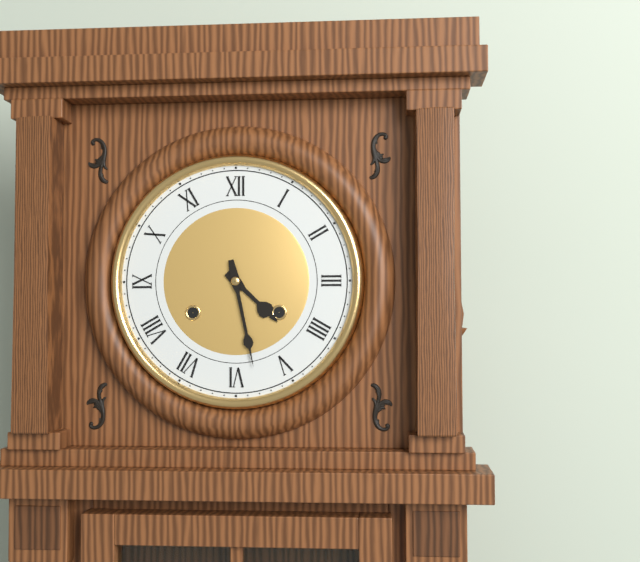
4h28
